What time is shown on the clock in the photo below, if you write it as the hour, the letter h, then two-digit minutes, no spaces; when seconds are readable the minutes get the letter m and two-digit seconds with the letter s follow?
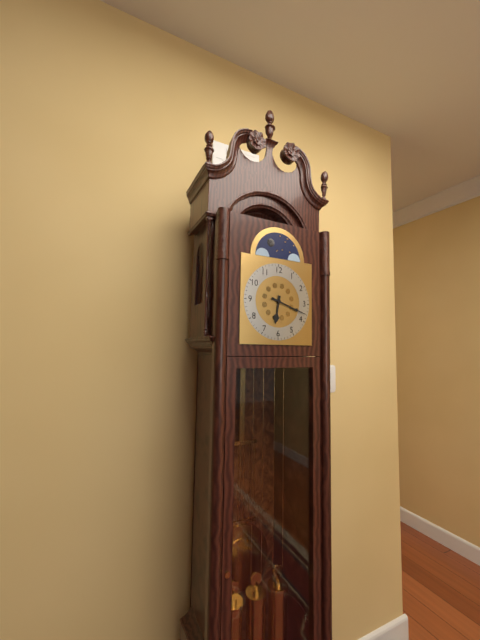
6h18
